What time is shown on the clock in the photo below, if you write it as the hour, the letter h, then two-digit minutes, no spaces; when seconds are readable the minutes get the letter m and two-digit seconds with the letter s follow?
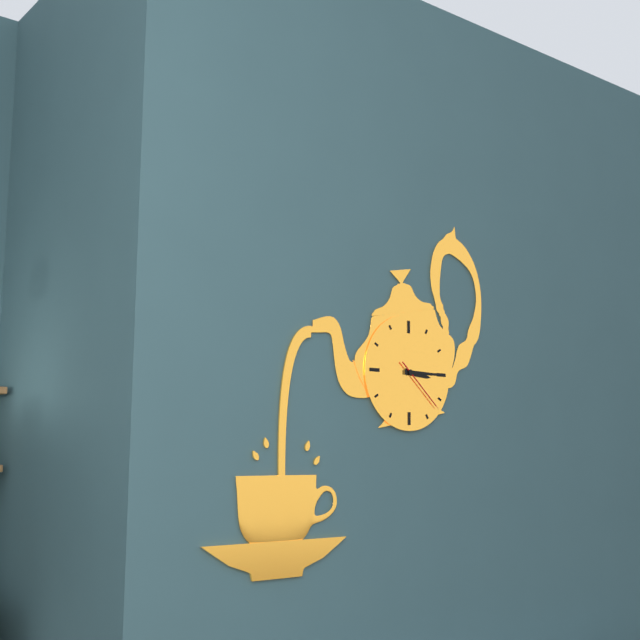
3h15m22s
